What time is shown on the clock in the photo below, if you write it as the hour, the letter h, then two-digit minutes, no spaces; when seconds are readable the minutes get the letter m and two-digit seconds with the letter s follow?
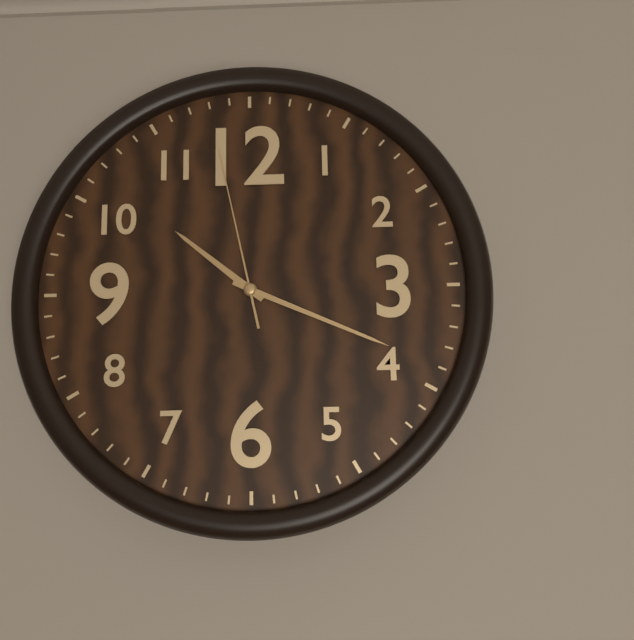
10h19m58s
